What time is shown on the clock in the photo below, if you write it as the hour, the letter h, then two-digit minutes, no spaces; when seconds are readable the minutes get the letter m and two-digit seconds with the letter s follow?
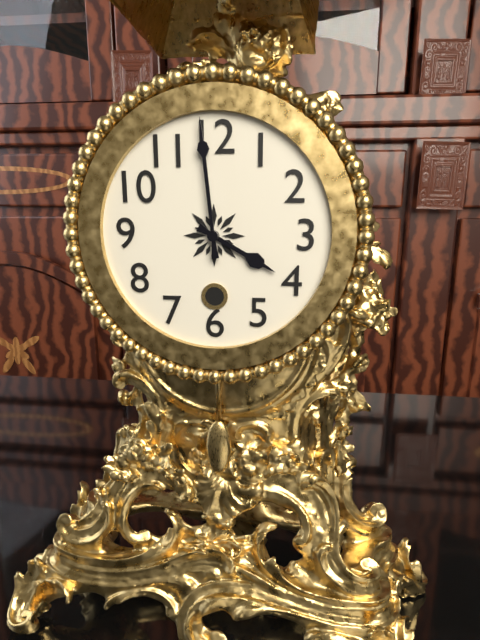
3h59
